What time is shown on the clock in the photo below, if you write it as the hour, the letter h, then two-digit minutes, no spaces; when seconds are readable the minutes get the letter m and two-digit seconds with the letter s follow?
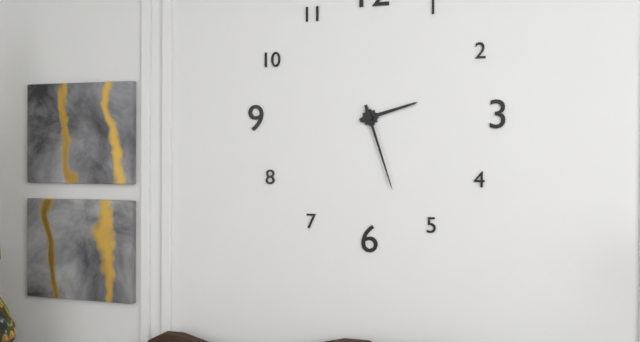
2h27
